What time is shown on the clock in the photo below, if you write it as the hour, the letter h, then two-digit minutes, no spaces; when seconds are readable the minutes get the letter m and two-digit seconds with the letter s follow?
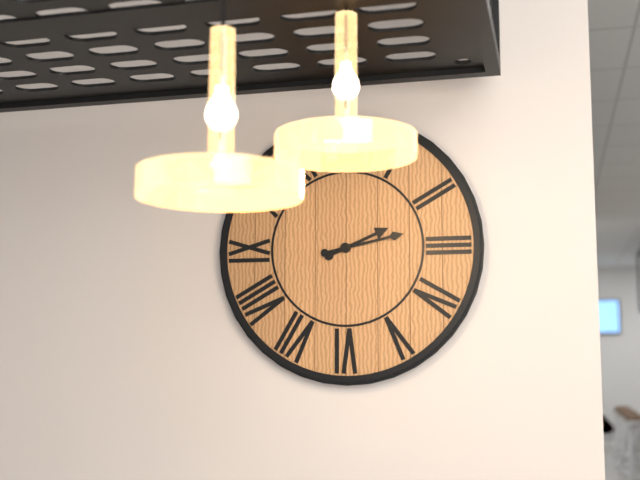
2h13
